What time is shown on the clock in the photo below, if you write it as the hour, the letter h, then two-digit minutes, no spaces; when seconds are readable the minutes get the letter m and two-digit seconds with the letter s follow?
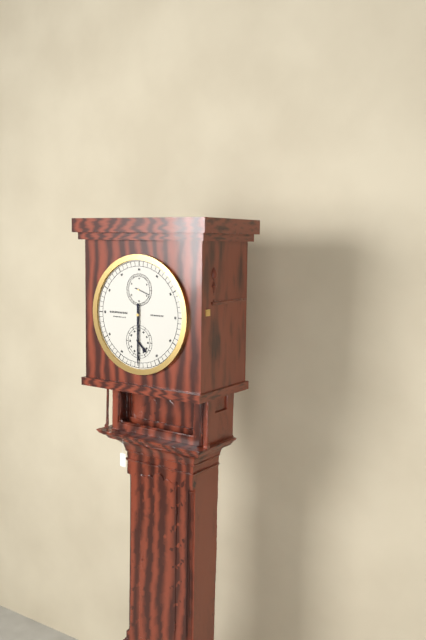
4h30
